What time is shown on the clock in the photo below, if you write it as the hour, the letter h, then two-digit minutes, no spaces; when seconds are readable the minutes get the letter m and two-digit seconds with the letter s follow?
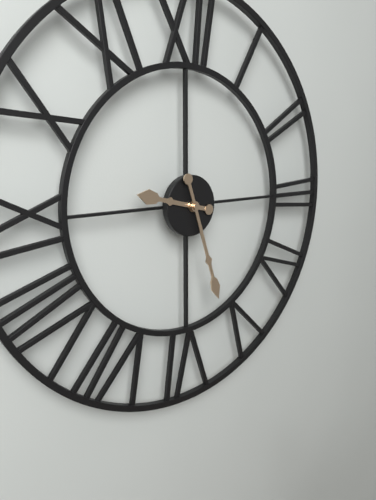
9h27
